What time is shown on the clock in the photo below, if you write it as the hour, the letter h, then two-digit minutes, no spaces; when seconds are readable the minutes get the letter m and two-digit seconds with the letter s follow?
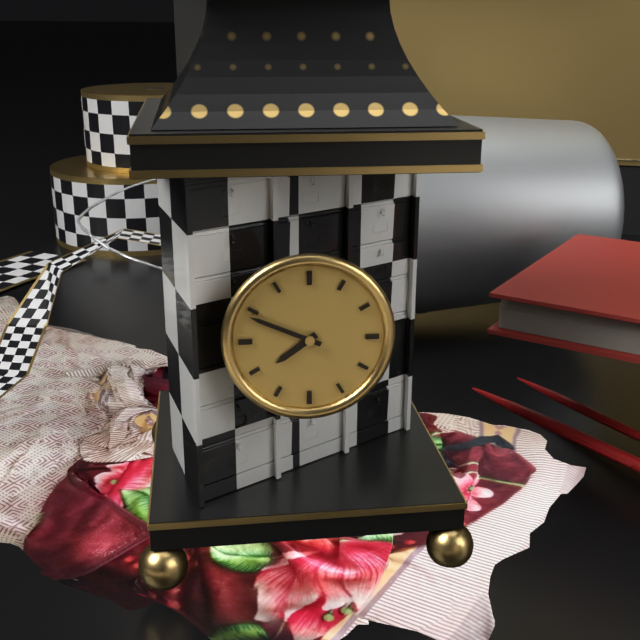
7h49
